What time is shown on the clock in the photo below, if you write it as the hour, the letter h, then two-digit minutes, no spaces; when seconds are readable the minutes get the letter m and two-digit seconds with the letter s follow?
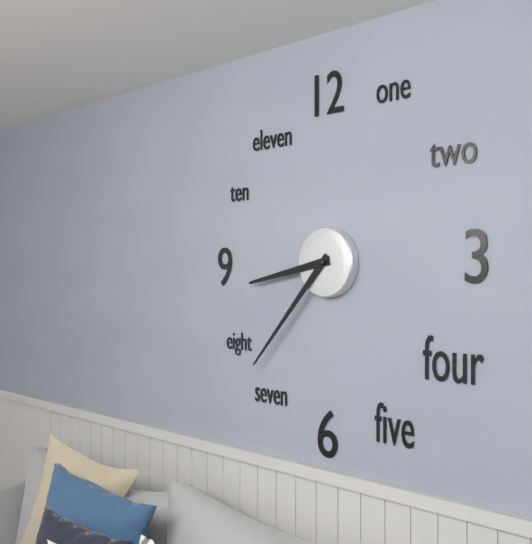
8h37
